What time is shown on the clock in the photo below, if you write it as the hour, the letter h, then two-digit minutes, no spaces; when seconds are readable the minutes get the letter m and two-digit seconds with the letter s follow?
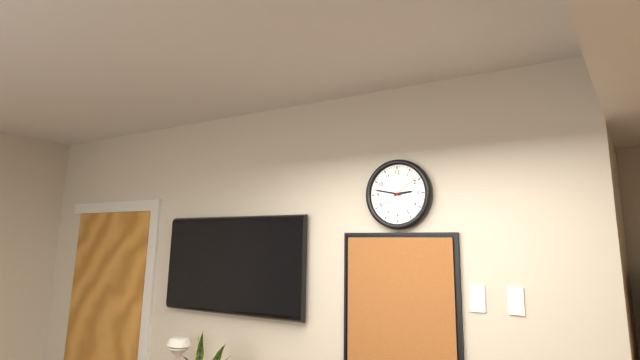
2h47
